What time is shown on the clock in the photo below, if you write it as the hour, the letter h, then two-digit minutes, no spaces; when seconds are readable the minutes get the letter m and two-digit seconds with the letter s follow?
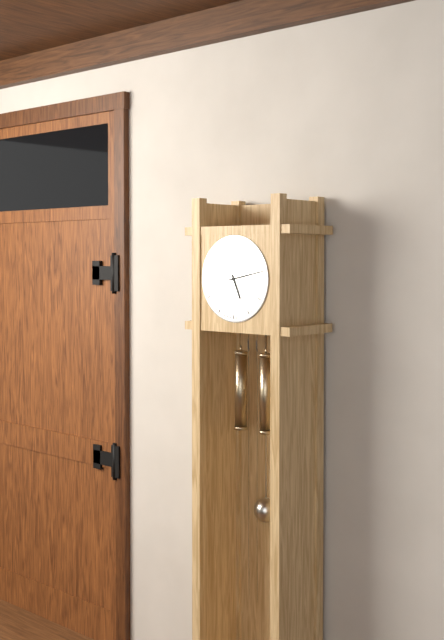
5h13
